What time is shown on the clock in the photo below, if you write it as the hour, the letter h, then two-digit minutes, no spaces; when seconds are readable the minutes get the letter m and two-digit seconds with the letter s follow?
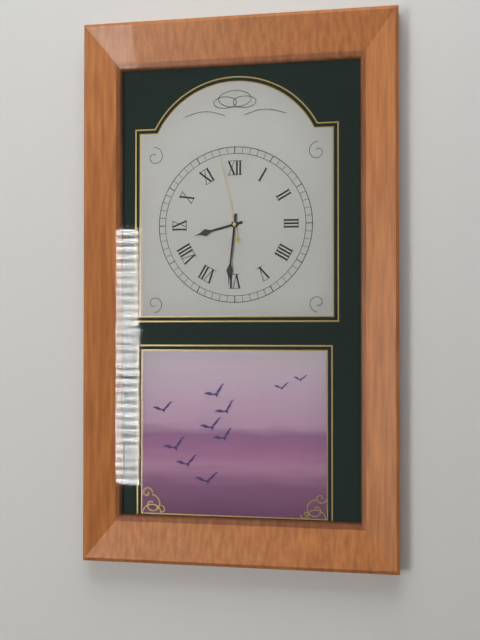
8h31m58s
